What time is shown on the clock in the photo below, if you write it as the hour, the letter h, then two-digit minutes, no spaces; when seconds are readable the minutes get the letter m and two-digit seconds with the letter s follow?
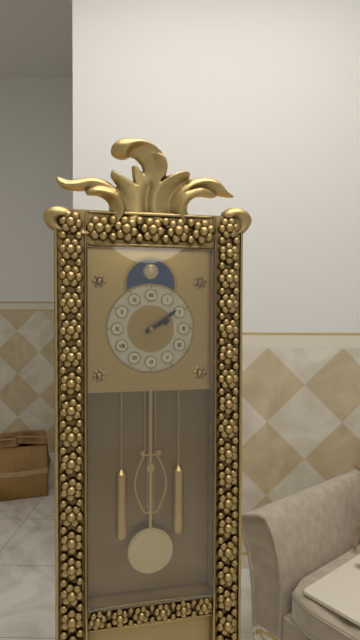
2h09
